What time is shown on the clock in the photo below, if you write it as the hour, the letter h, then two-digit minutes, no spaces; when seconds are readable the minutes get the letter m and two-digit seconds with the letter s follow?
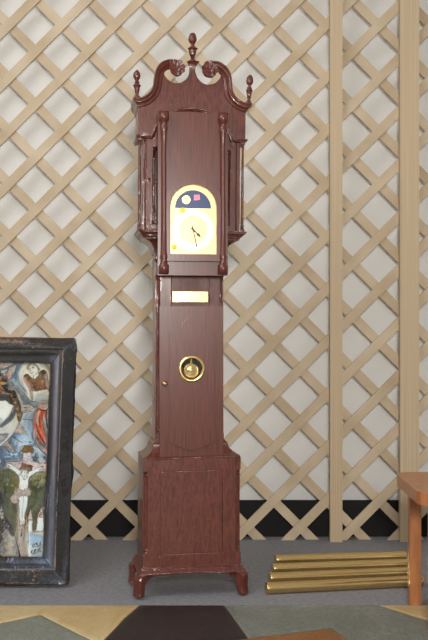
4h28
